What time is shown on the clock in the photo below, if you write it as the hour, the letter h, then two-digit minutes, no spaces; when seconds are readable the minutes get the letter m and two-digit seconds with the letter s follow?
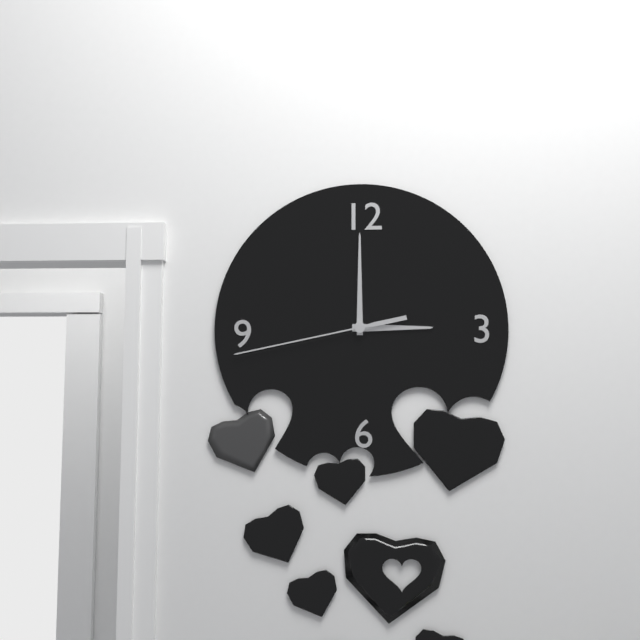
3h00m43s
